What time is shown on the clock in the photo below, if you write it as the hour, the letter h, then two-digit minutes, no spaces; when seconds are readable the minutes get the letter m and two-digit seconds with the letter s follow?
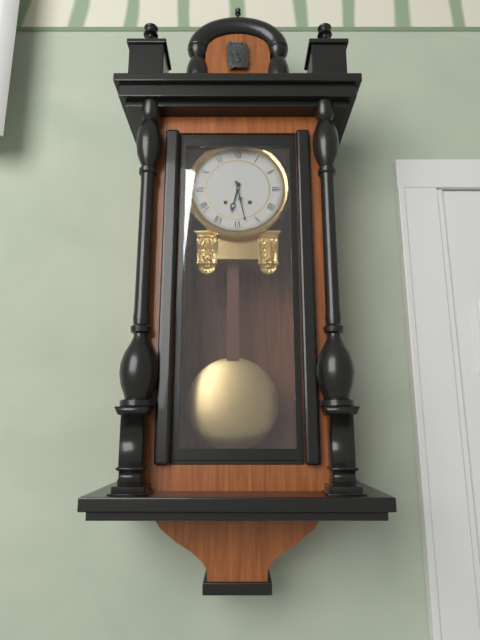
6h28
